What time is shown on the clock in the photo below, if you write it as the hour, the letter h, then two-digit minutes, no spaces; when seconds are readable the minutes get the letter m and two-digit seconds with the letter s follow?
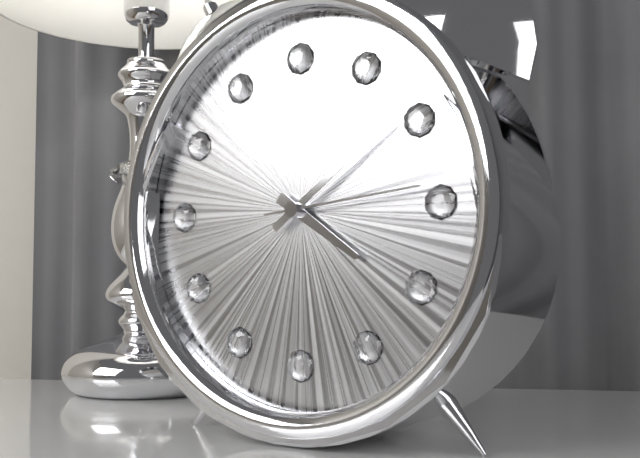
4h09m14s
